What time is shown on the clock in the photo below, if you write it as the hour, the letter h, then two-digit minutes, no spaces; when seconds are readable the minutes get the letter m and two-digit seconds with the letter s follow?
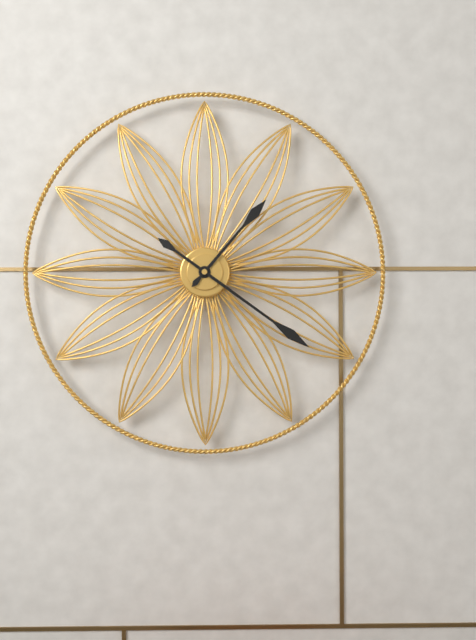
1h21
